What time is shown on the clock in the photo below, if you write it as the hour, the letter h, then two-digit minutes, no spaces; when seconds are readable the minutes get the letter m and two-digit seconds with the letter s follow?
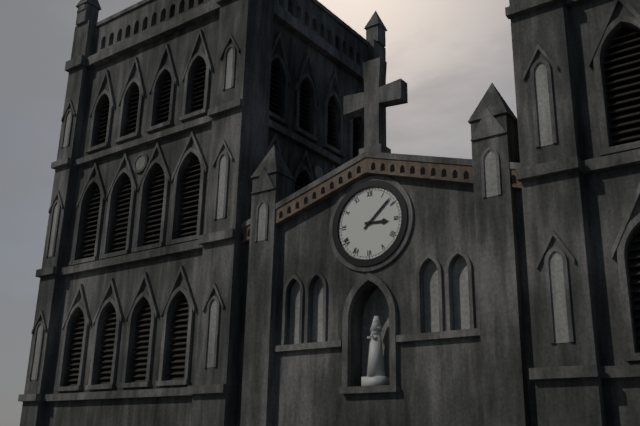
3h08
